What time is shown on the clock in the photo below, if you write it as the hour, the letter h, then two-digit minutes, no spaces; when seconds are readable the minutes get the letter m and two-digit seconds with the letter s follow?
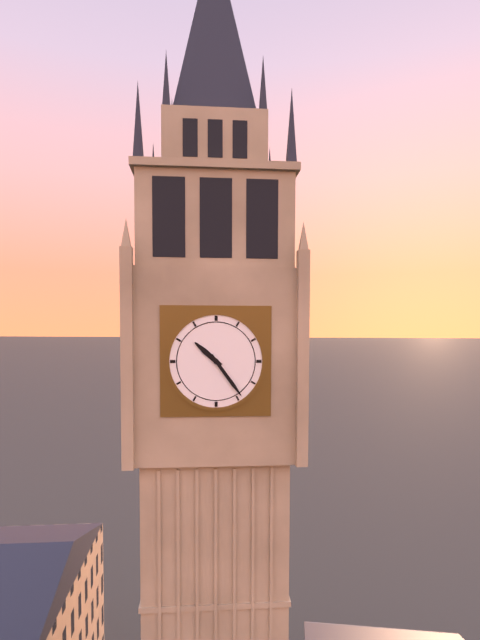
10h24
